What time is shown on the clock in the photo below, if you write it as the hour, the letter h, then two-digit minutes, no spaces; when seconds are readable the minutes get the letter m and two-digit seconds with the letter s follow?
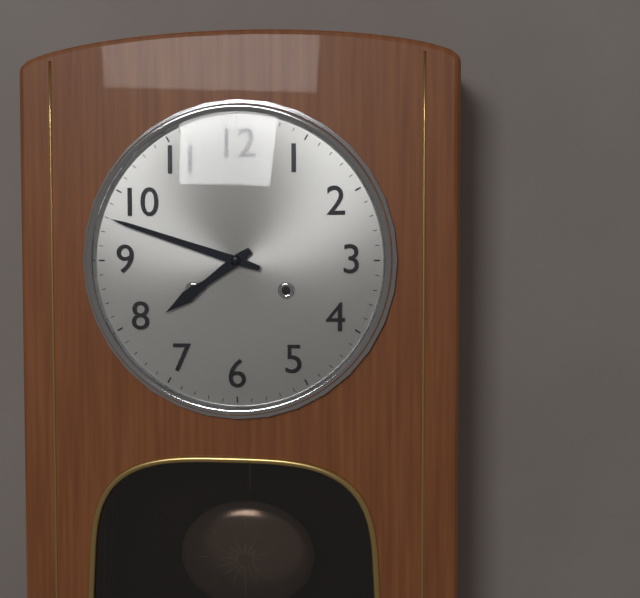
7h48
